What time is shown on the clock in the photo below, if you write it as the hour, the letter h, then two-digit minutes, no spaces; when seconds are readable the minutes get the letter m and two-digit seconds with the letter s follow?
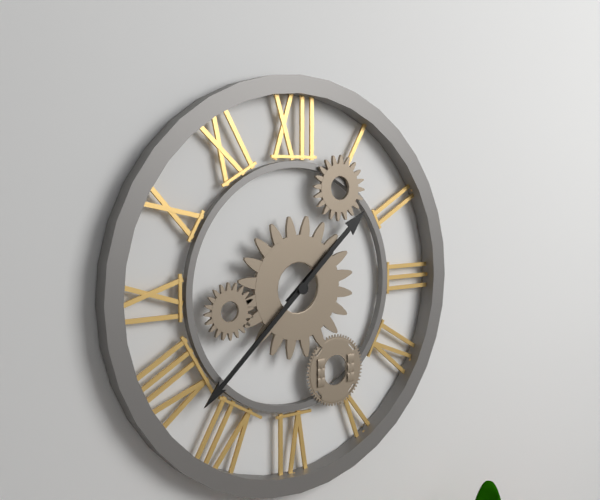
1h38
